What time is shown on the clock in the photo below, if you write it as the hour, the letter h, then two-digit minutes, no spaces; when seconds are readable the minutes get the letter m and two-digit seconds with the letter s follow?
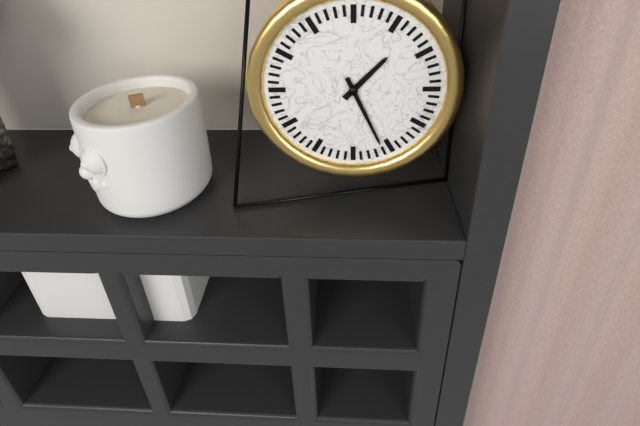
1h26
